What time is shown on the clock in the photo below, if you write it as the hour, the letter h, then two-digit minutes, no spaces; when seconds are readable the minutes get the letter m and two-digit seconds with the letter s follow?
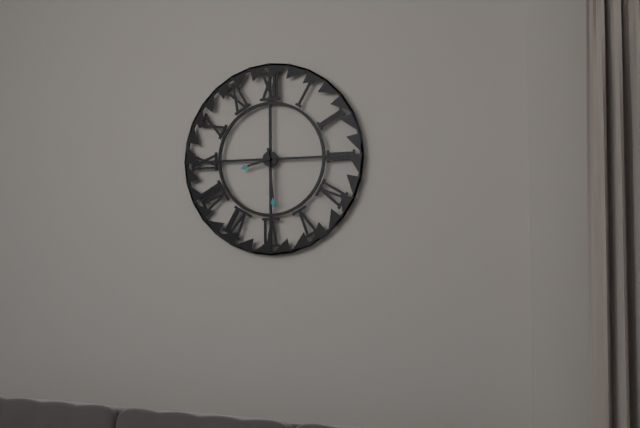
8h29
